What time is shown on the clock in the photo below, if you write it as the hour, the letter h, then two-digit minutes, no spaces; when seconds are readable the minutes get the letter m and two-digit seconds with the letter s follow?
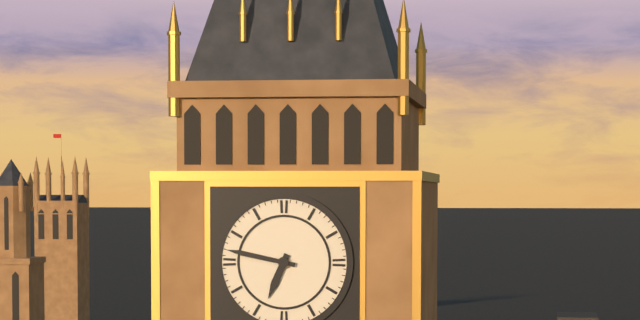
6h47
